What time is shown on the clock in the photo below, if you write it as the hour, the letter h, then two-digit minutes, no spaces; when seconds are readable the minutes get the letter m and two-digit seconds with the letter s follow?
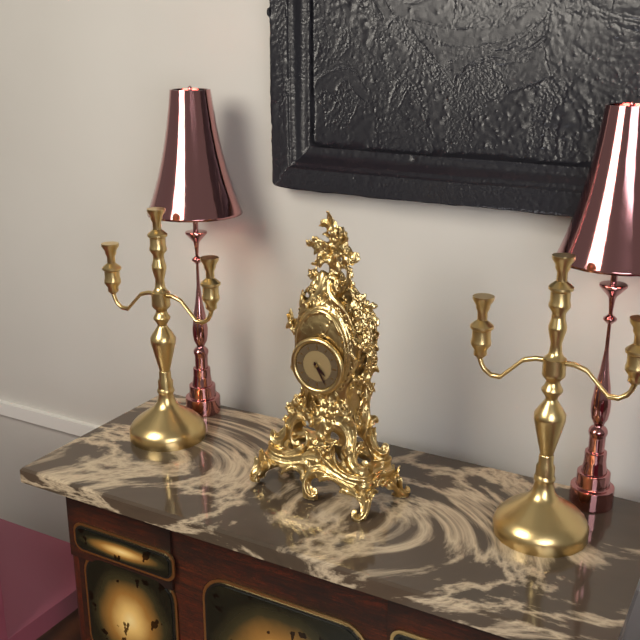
4h25
